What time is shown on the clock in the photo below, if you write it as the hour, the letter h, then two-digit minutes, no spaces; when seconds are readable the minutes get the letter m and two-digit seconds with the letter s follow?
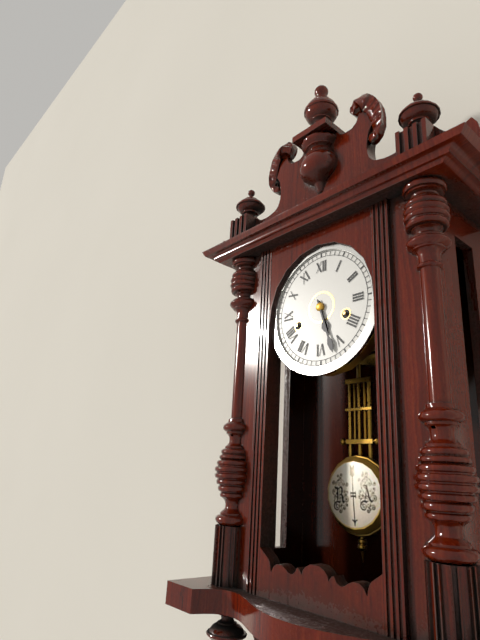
5h27
